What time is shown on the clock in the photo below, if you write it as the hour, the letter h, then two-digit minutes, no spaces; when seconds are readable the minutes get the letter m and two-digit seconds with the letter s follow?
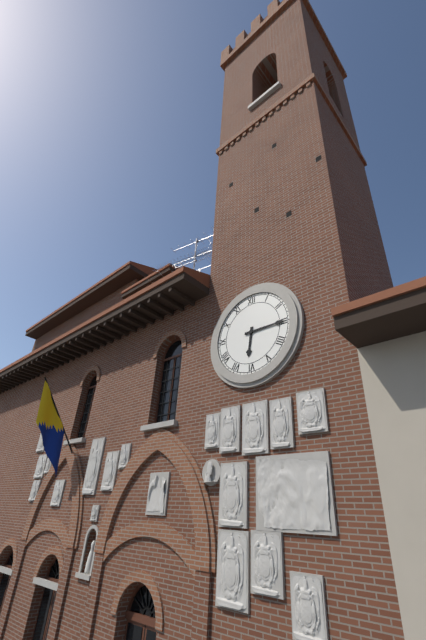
6h15
